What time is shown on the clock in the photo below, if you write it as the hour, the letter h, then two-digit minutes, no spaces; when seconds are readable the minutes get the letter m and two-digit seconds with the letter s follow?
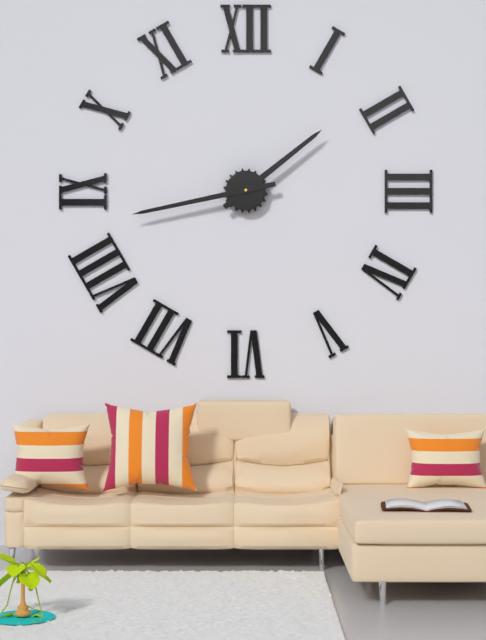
1h43
